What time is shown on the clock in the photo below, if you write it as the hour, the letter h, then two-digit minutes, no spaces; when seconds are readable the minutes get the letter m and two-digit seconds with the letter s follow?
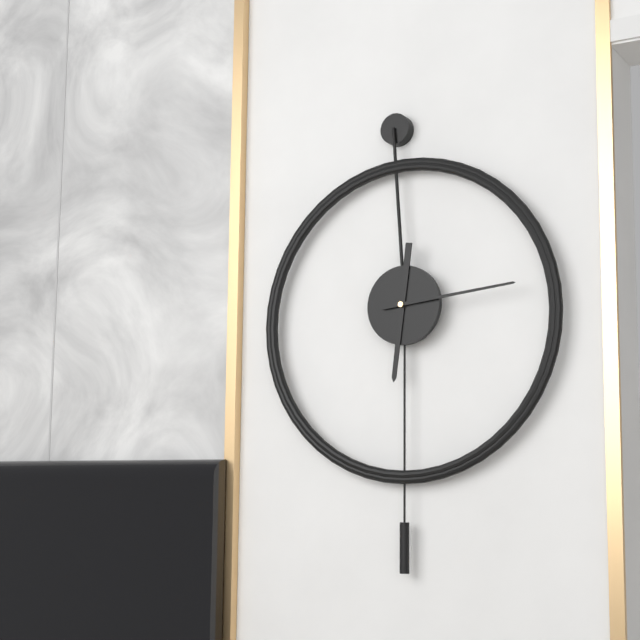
6h14
